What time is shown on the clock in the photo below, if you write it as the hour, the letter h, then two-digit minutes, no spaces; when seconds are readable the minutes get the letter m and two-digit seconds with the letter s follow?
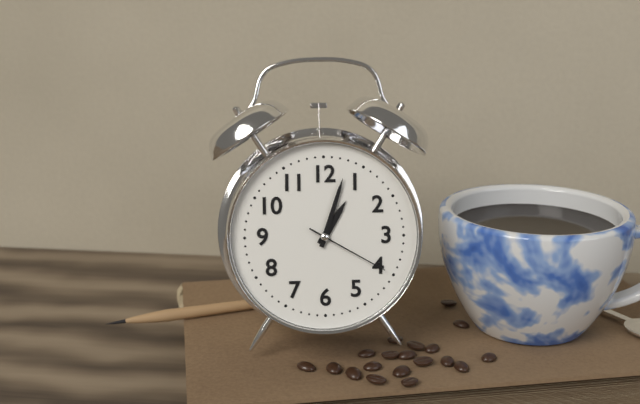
1h03m20s
